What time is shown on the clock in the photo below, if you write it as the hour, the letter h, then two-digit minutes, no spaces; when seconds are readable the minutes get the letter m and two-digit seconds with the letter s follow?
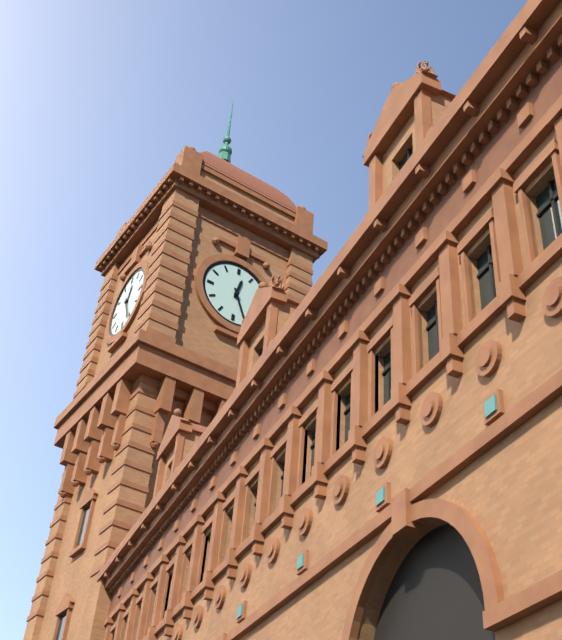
12h26
